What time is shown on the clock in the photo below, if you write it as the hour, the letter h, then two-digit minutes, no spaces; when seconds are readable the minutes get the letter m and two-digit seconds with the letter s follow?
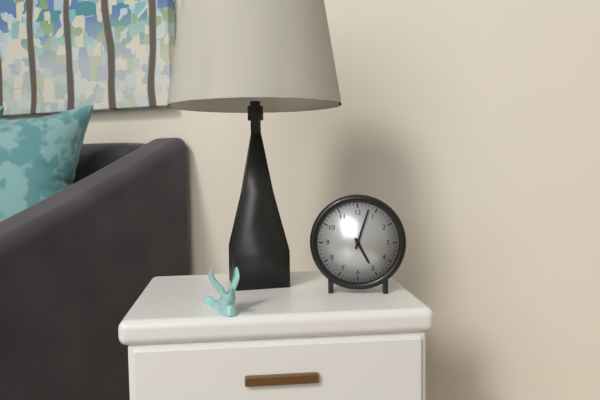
5h03
